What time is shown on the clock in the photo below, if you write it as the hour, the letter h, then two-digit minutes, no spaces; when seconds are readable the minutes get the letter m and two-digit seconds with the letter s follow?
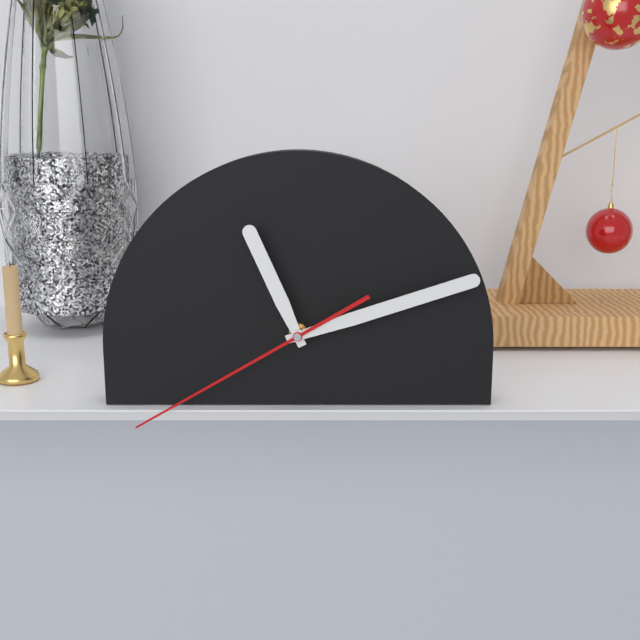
11h12m40s
